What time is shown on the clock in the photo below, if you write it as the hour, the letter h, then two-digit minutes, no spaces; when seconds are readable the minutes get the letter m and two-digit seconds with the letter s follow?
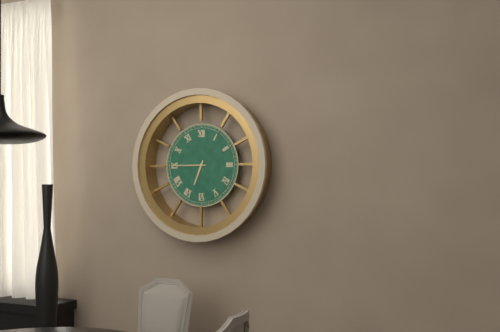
6h45
